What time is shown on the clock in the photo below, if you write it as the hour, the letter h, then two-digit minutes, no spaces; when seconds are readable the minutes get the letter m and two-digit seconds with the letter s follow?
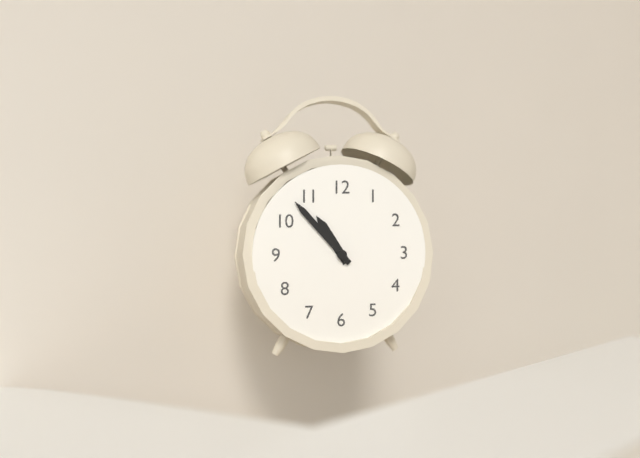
10h53
